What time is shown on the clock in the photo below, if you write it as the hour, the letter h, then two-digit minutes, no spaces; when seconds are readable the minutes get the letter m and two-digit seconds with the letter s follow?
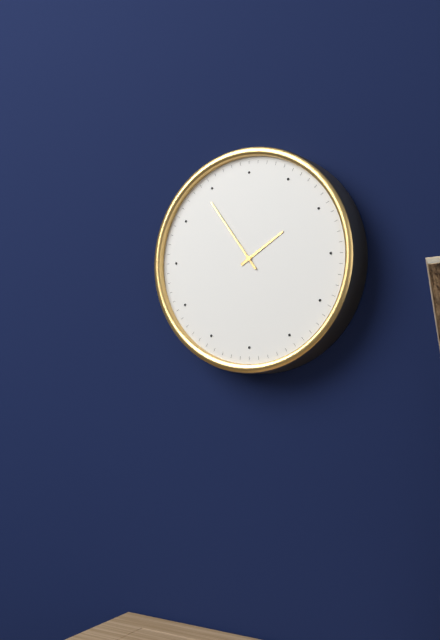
1h54
